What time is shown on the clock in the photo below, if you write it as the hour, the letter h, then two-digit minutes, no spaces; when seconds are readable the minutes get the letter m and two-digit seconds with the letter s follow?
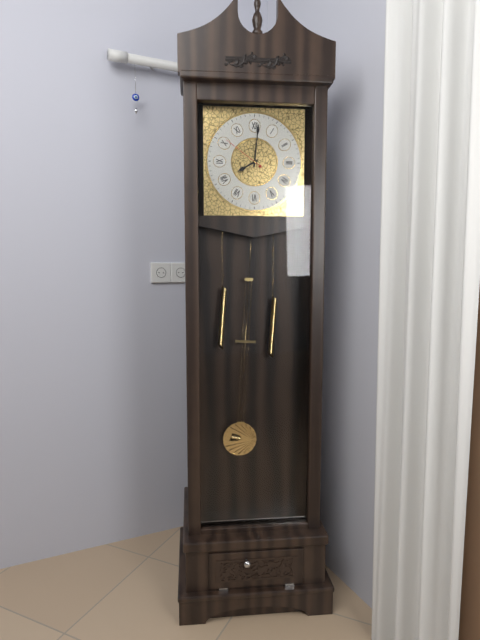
8h01
